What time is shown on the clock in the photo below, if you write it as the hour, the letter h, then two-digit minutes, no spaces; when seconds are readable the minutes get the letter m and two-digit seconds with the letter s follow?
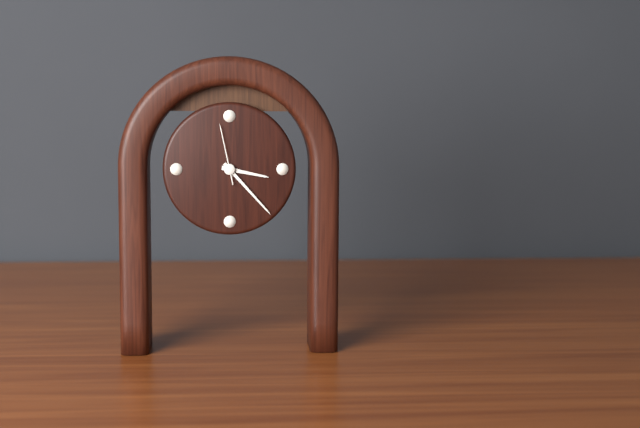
3h23m58s
